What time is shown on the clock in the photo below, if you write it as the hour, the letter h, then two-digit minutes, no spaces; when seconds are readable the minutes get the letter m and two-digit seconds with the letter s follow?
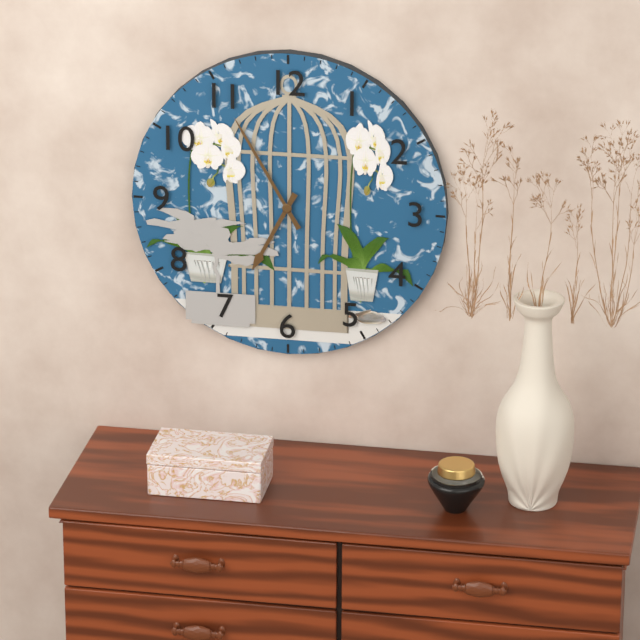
6h55
